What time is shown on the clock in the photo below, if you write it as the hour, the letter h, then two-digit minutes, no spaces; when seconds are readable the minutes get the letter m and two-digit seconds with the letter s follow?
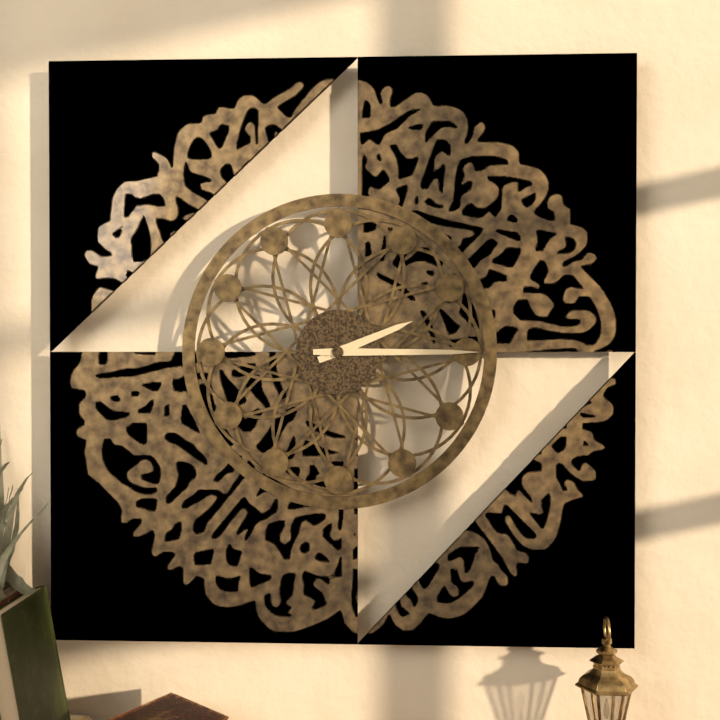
2h15
